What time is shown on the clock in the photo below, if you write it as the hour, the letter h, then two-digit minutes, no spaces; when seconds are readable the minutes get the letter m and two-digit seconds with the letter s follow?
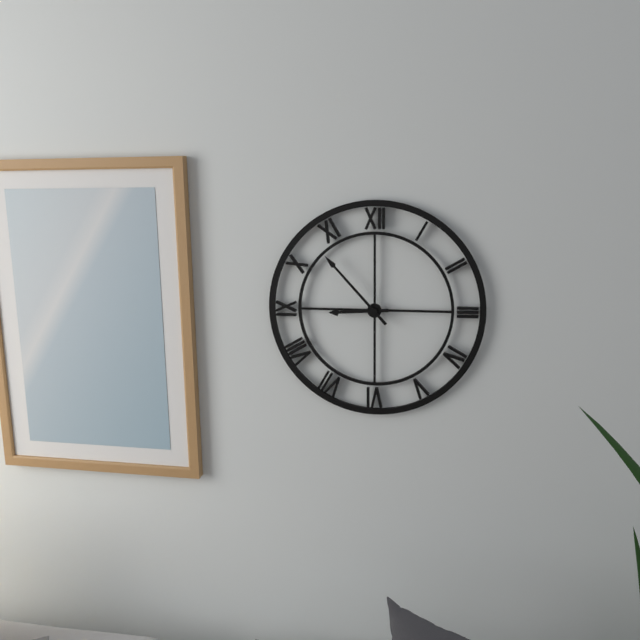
8h53
